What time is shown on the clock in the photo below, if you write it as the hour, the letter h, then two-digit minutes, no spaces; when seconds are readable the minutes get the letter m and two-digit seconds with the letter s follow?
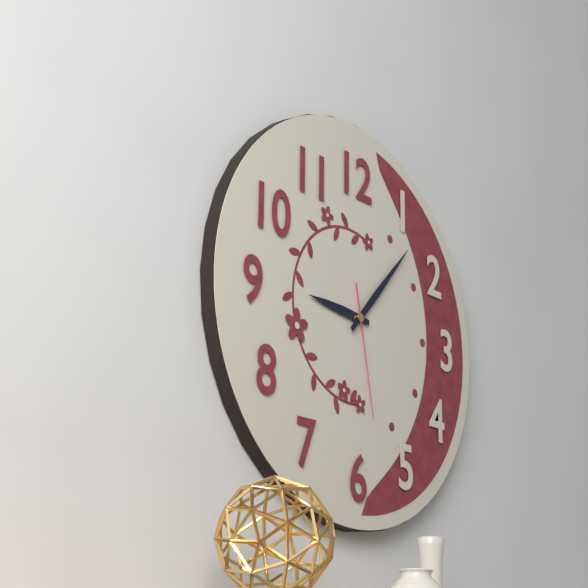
9h07m28s
